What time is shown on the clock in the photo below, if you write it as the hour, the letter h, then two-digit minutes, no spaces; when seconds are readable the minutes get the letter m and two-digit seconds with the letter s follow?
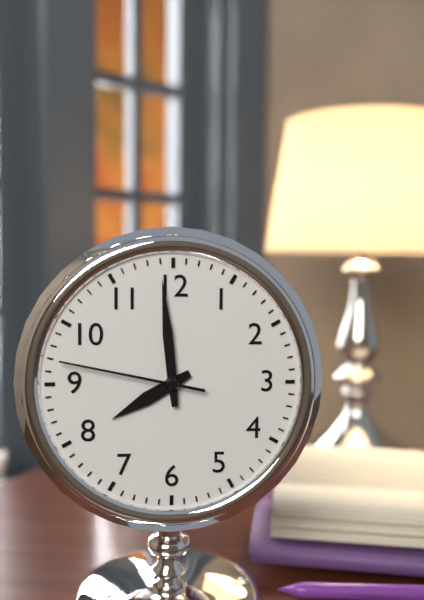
7h59m47s
